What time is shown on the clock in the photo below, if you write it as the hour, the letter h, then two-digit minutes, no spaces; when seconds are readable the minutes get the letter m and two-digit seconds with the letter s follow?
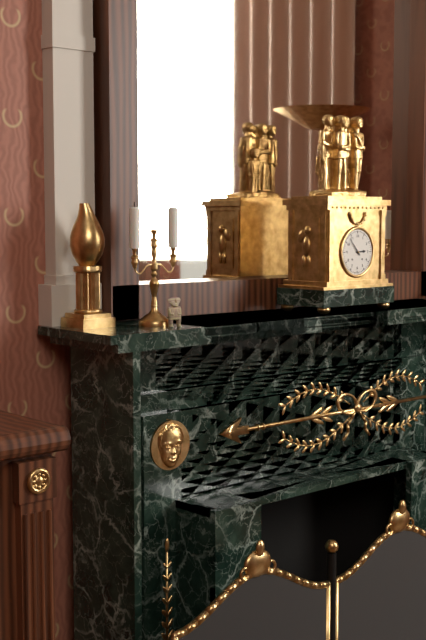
2h53
